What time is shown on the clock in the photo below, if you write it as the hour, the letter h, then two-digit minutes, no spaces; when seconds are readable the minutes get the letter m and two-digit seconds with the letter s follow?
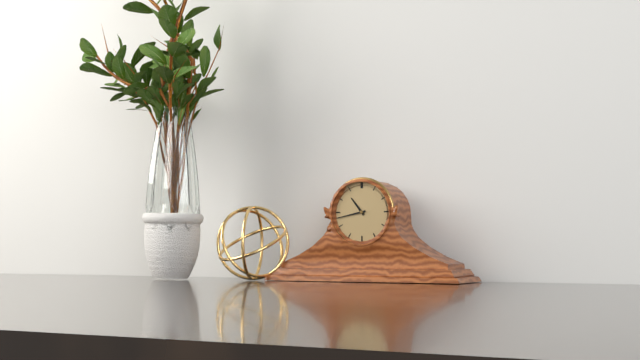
10h43
